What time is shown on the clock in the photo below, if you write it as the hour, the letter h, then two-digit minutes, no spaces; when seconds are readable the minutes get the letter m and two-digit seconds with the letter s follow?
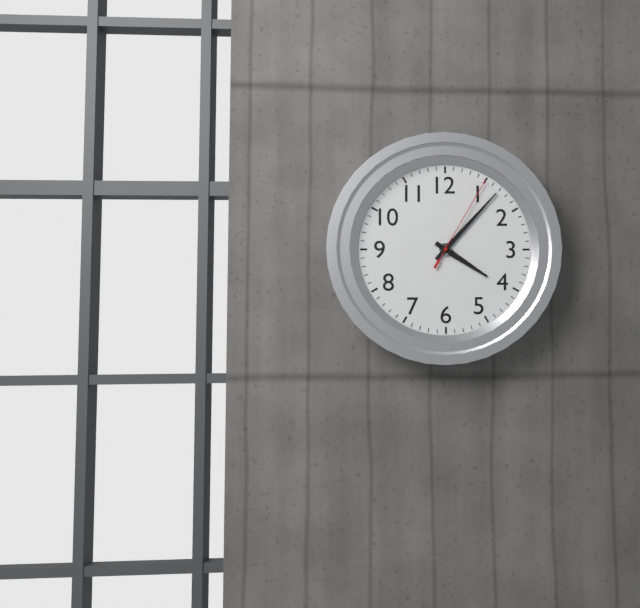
4h07m05s
